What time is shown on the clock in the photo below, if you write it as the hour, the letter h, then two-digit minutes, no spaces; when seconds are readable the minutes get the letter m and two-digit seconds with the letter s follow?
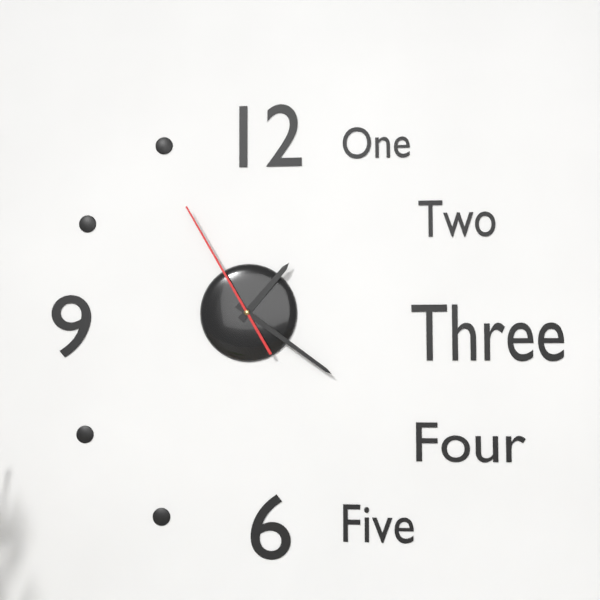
1h21m55s
